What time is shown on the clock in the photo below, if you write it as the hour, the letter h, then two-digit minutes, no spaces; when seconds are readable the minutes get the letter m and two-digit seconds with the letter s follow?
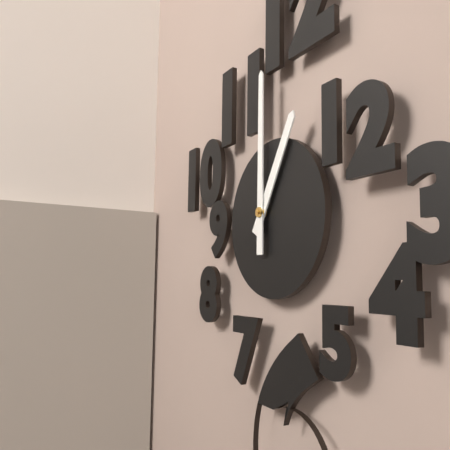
1h00
